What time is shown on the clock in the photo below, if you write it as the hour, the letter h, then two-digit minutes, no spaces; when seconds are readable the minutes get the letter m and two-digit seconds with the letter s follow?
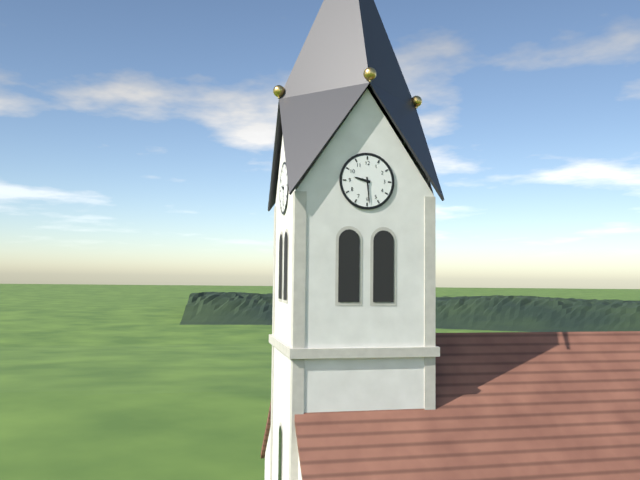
9h29
